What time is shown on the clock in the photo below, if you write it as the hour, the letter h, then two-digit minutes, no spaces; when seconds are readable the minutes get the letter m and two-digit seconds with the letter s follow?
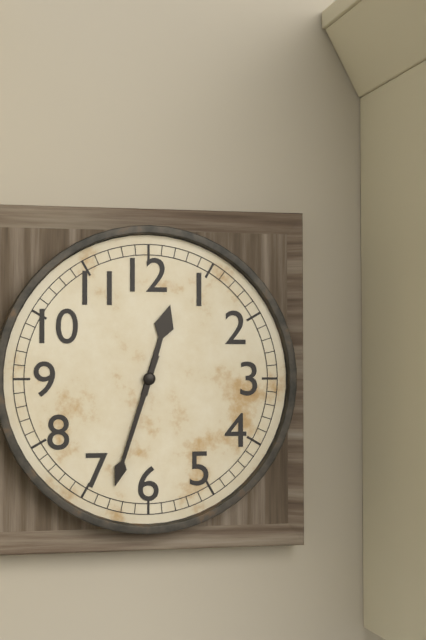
12h33
